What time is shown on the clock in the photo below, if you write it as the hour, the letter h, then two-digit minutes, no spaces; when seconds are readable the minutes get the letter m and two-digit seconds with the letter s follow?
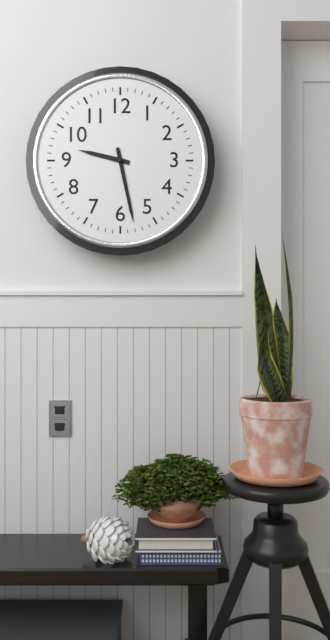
9h28
